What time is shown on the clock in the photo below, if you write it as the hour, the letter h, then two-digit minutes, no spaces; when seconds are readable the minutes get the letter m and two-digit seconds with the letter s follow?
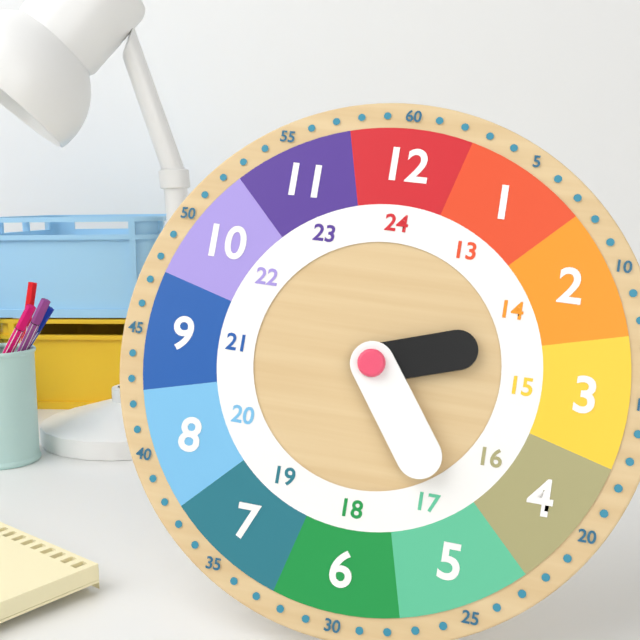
2h24
